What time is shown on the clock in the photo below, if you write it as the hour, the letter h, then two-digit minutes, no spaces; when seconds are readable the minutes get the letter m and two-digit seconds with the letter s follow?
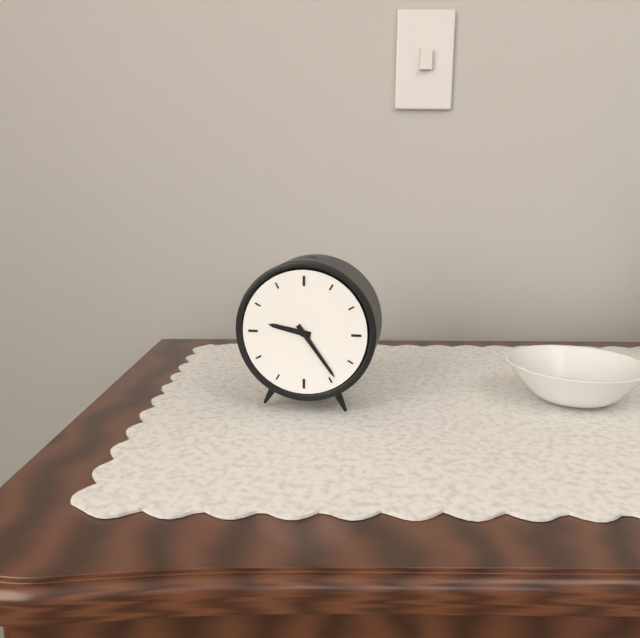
9h24
